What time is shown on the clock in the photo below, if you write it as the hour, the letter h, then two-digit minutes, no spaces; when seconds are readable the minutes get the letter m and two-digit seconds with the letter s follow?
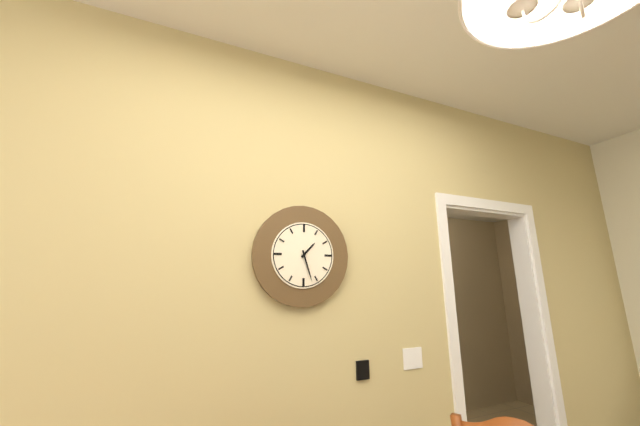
1h27
